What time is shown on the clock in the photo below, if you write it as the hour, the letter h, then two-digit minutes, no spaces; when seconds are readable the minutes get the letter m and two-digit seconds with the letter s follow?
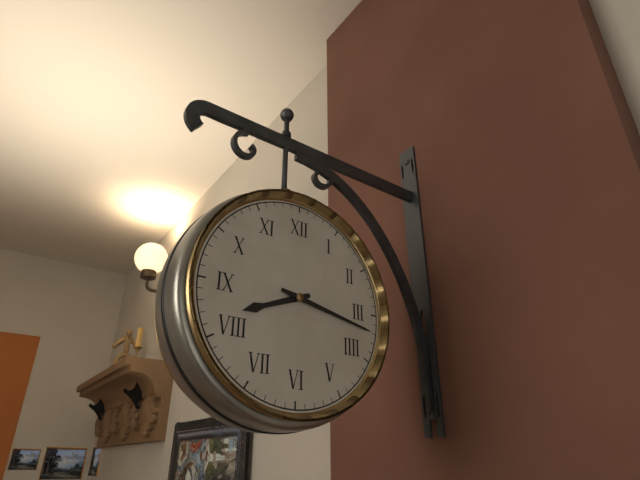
8h17
